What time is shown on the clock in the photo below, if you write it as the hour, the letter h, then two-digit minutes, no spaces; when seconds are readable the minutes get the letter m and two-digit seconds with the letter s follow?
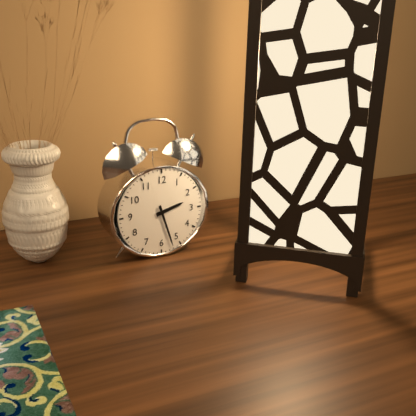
2h27
